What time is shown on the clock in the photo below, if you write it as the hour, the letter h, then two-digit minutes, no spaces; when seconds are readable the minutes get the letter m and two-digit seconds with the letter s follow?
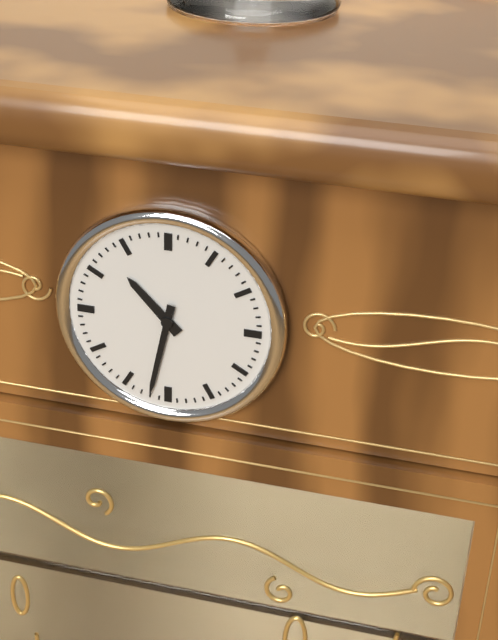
10h32
